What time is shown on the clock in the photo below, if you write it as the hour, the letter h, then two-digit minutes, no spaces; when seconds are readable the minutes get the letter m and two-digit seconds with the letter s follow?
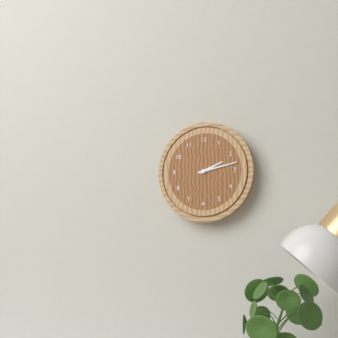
2h13
